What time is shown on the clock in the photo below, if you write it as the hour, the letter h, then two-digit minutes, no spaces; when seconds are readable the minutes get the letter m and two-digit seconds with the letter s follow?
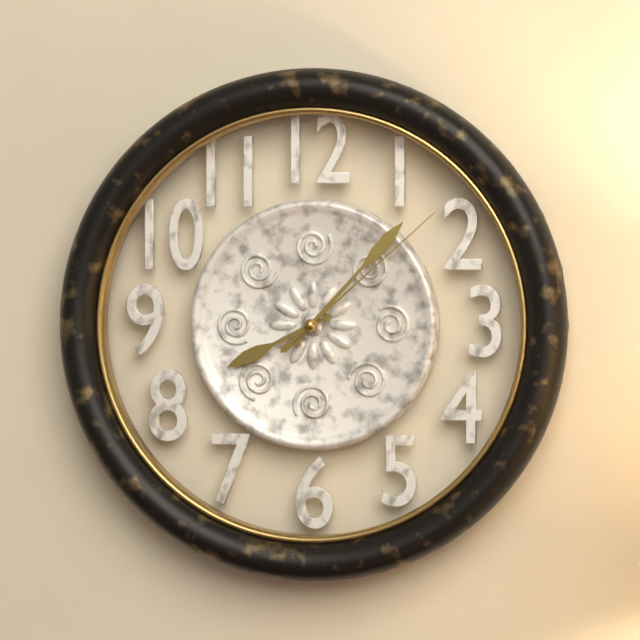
8h07m08s
